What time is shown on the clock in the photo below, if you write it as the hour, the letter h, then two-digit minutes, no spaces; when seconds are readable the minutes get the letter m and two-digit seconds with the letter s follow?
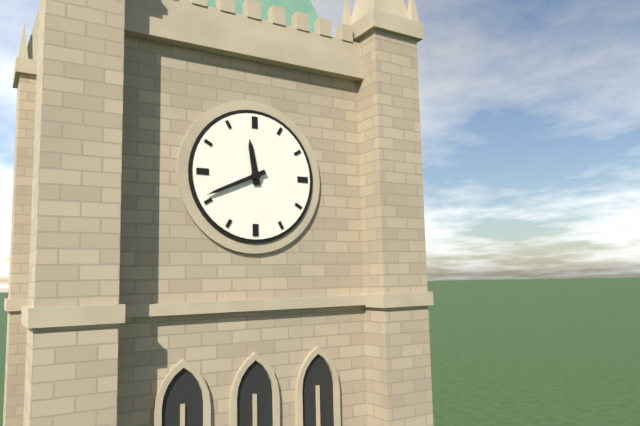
11h41
